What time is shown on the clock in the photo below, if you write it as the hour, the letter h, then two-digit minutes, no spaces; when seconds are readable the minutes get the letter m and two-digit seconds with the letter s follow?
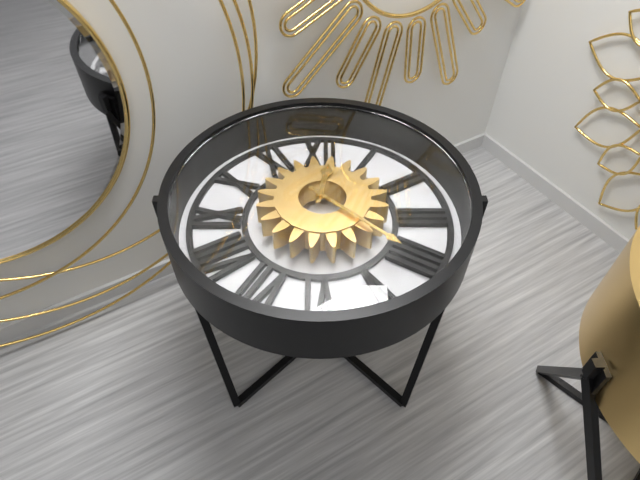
12h22
